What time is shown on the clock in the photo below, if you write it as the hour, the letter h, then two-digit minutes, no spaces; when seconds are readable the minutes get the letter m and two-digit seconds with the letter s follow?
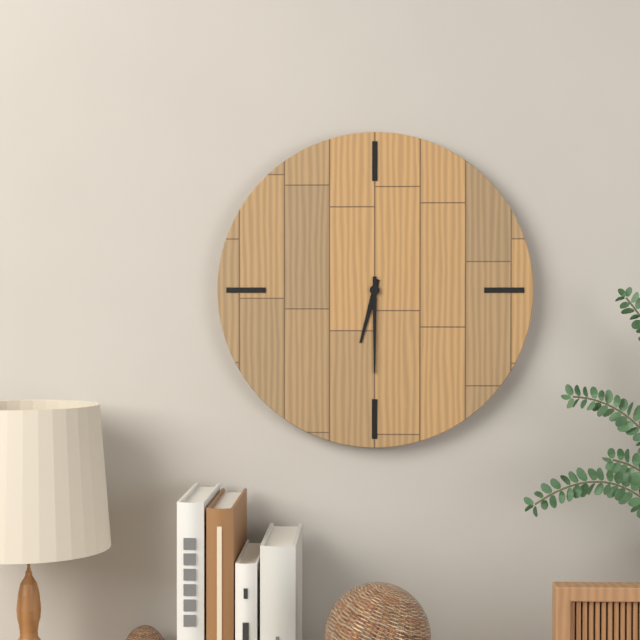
6h30
